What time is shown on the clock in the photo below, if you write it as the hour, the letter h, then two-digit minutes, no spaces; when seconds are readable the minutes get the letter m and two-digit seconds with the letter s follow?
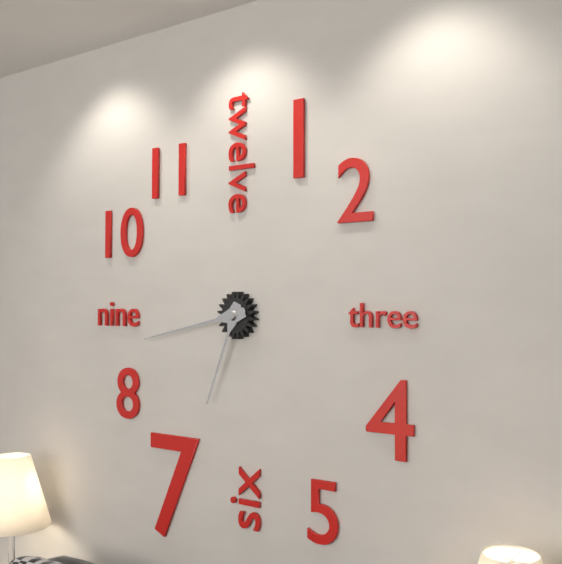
6h43
